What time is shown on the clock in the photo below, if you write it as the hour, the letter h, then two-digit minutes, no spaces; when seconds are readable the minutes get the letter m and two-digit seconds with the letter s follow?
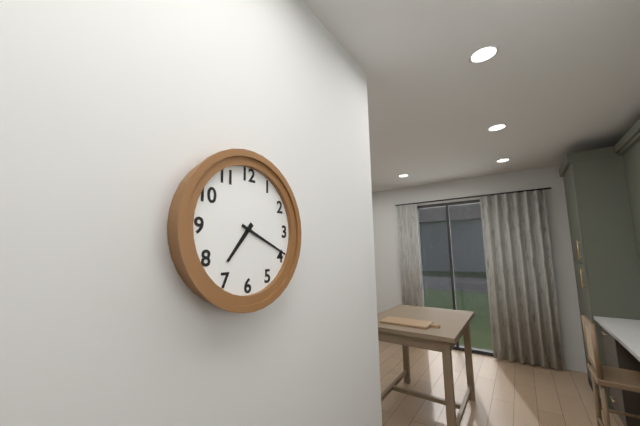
7h19
